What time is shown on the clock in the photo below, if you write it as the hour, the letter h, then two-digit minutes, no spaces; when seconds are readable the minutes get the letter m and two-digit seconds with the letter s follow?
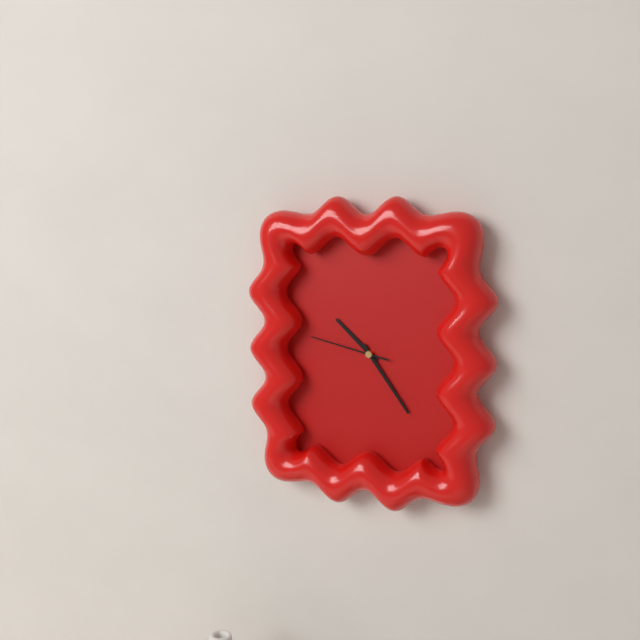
10h24m47s
